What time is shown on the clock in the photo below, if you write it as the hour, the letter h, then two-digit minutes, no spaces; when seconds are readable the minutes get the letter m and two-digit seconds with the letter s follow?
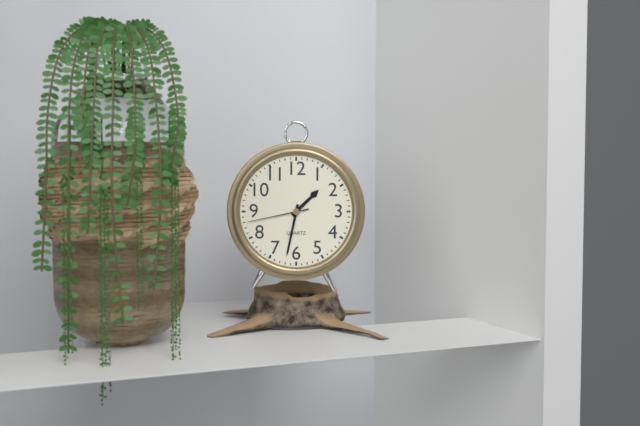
1h32m43s
